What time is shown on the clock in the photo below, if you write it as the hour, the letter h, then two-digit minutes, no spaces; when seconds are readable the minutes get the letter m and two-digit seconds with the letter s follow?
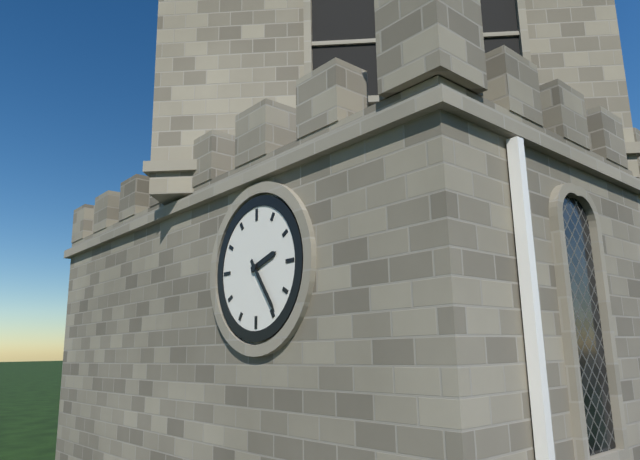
2h24
